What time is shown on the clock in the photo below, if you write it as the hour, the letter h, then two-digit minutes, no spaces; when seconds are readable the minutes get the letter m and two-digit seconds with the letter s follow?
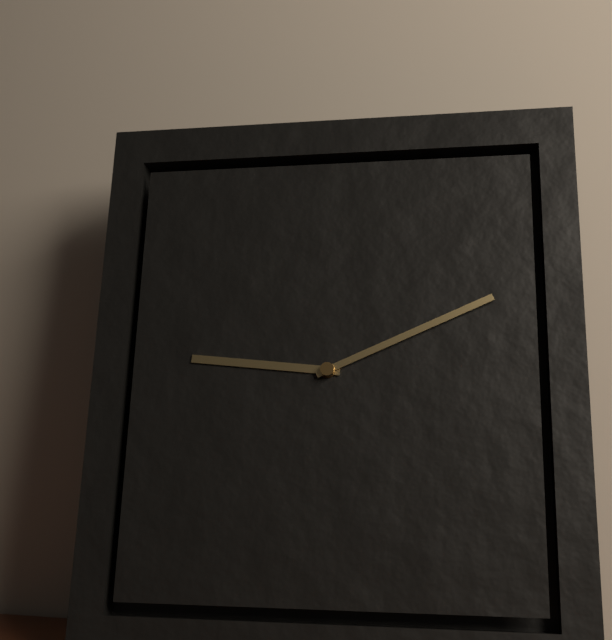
9h11
